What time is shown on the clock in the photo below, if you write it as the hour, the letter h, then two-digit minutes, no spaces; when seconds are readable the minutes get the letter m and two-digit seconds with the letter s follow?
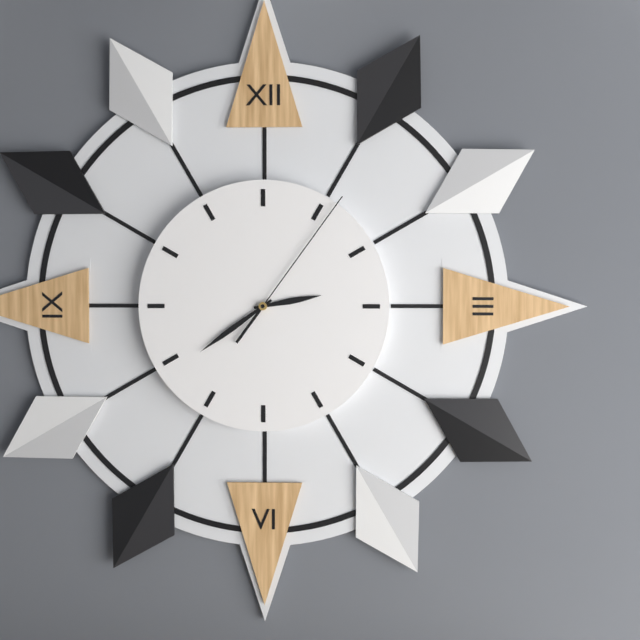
2h39m06s
